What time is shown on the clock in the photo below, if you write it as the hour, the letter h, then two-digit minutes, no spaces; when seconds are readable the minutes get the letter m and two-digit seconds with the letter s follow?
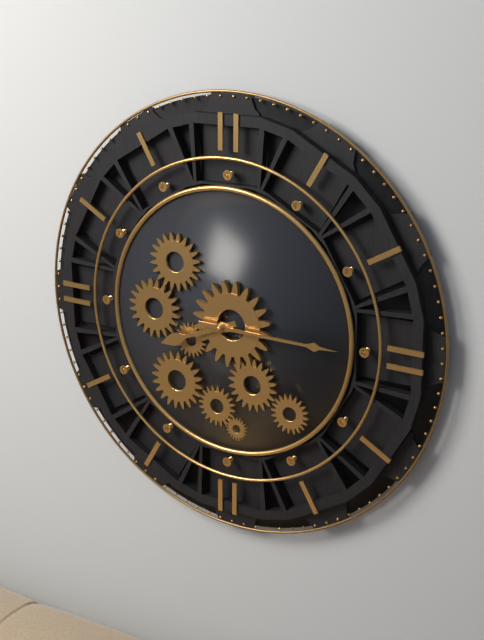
8h15
